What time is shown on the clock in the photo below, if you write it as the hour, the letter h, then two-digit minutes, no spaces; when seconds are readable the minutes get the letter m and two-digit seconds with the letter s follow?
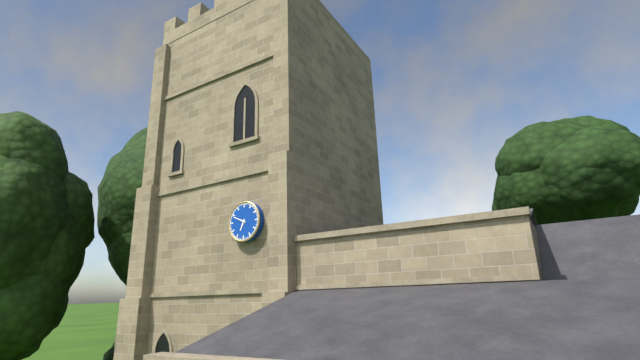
6h49
